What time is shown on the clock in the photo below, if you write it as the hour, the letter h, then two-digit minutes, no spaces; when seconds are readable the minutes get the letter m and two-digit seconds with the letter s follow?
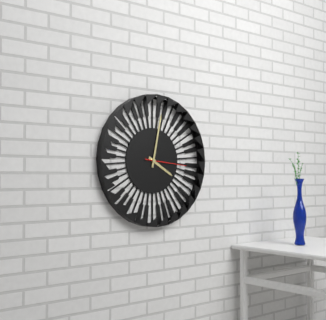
4h02
